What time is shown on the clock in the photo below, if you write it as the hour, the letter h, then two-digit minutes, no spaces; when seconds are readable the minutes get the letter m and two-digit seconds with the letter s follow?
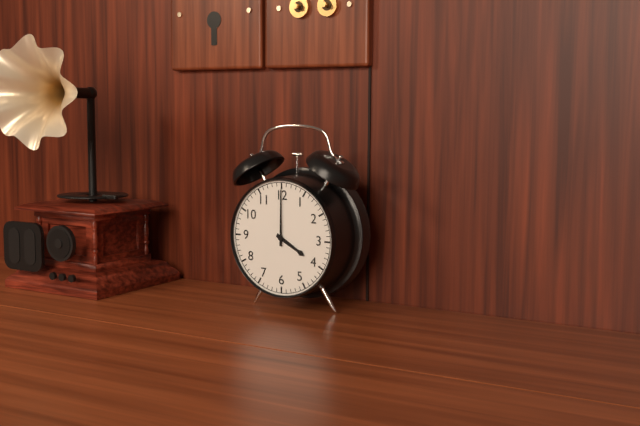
4h00
